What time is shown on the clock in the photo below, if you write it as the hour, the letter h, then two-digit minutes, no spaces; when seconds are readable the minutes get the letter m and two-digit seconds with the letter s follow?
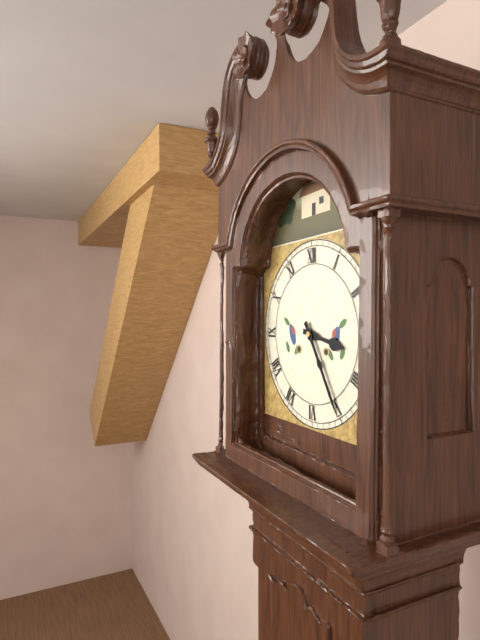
3h25
